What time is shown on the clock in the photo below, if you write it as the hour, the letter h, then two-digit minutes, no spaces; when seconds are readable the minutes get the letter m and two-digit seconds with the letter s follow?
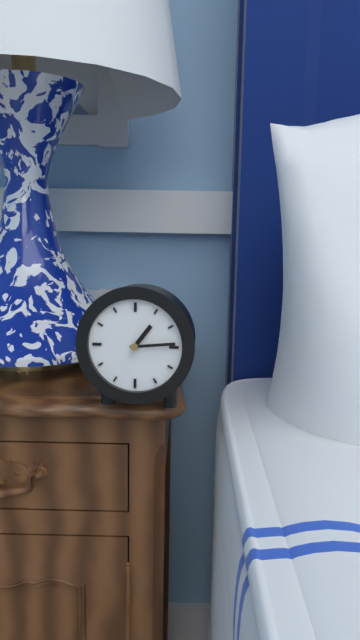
1h14
